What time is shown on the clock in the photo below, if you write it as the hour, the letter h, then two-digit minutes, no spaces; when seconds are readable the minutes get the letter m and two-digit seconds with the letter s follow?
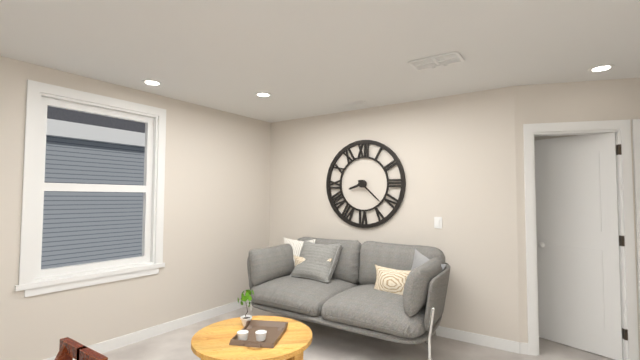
8h22
